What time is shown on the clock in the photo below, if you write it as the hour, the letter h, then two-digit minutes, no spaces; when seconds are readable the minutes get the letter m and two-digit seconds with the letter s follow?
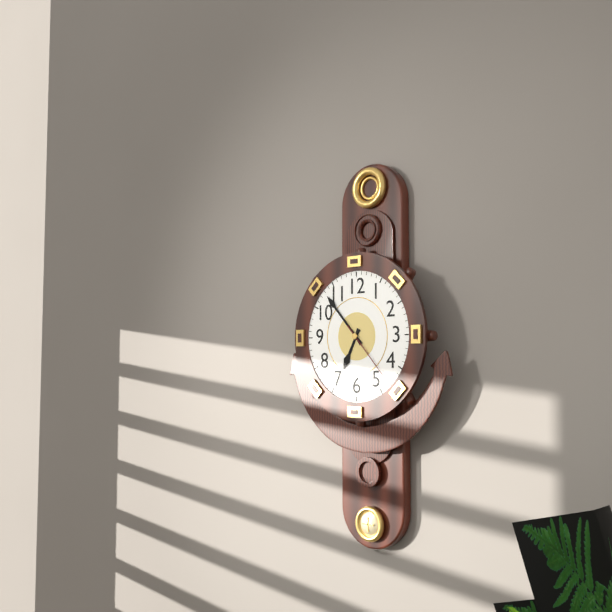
6h53m23s
